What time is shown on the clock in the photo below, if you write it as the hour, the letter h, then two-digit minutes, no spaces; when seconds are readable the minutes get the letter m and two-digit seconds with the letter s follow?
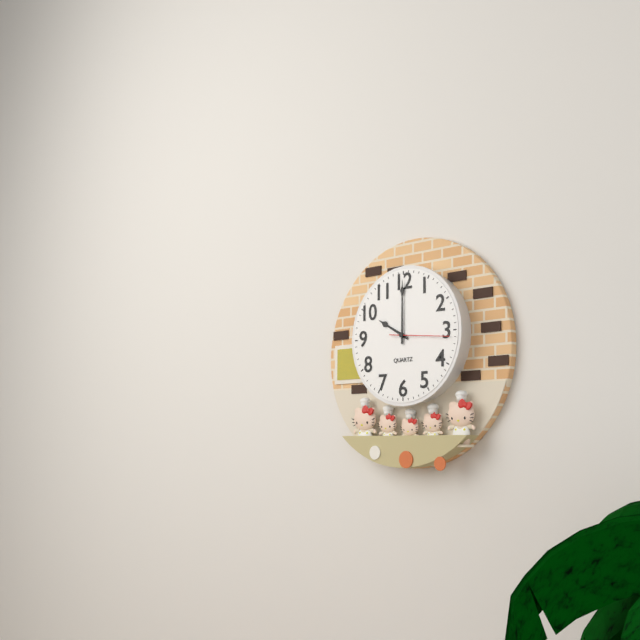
10h00m16s
